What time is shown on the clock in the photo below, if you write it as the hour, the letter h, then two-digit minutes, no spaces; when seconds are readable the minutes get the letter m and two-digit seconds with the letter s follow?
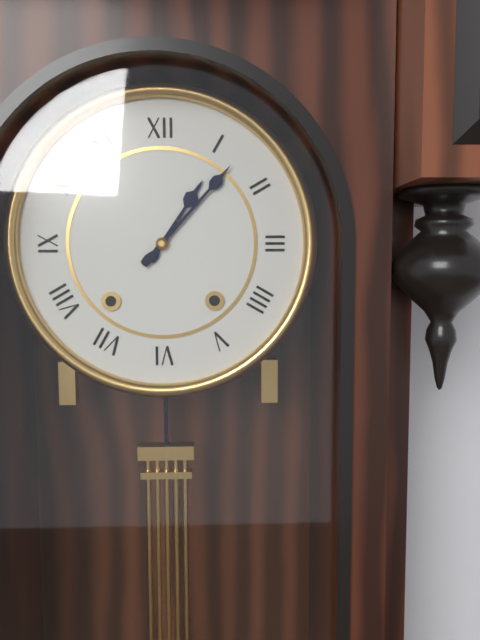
1h07
